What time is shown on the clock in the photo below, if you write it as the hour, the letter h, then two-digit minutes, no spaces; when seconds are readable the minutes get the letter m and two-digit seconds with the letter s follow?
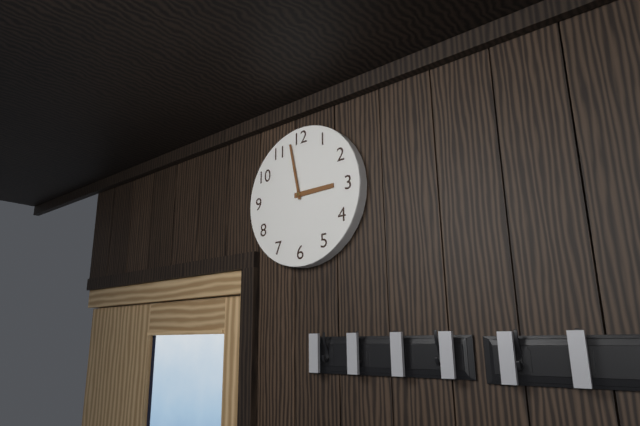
2h58
